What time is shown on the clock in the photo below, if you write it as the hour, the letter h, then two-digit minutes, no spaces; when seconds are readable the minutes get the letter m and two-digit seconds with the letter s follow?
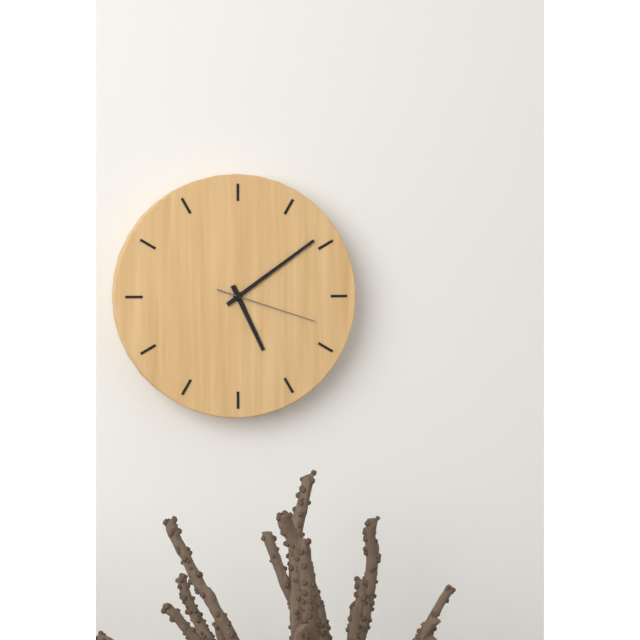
5h09m18s
